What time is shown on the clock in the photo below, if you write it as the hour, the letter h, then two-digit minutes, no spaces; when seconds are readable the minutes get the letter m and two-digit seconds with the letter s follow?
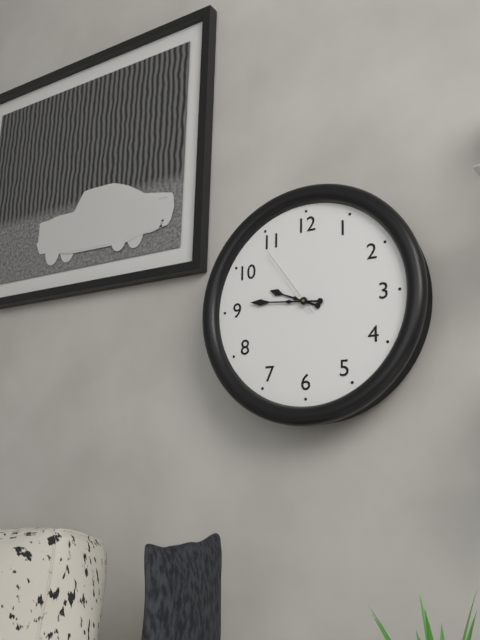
9h46m54s
